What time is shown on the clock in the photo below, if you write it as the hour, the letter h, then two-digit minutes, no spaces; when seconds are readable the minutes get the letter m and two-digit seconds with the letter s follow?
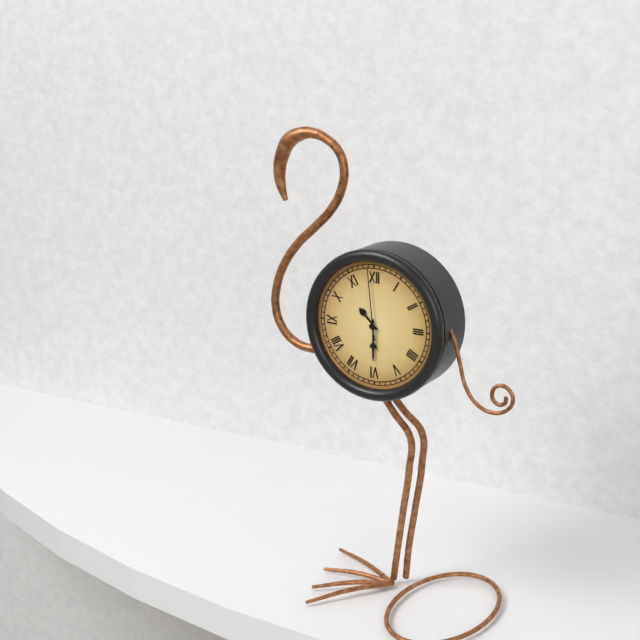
10h30m59s
